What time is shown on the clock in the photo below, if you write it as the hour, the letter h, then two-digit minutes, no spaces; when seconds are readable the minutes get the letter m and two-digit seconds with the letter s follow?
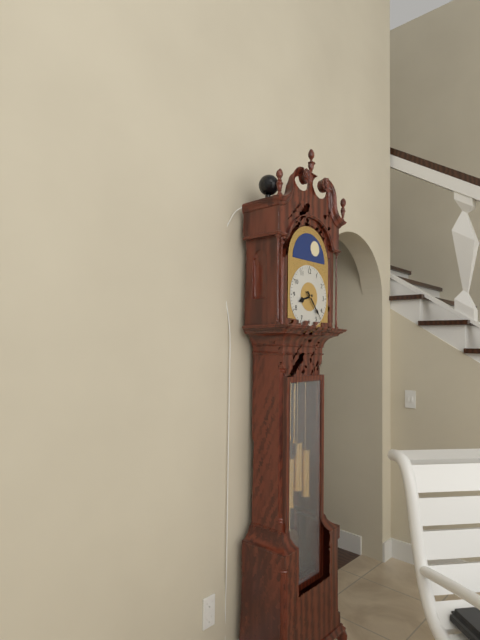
8h23
